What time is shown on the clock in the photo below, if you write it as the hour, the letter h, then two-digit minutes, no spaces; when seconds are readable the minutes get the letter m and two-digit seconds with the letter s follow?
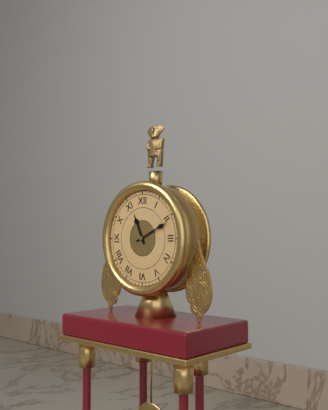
11h11
